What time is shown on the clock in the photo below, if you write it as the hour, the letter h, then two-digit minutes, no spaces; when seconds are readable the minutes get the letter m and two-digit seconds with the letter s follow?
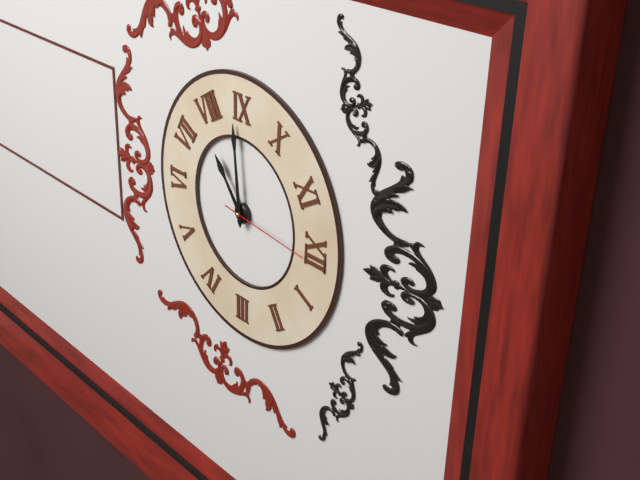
7h44m01s
